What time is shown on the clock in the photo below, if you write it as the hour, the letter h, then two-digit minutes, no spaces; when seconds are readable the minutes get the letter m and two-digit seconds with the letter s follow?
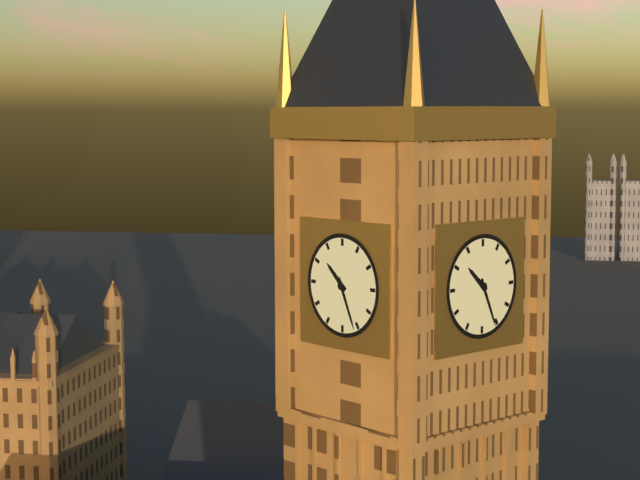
10h26
